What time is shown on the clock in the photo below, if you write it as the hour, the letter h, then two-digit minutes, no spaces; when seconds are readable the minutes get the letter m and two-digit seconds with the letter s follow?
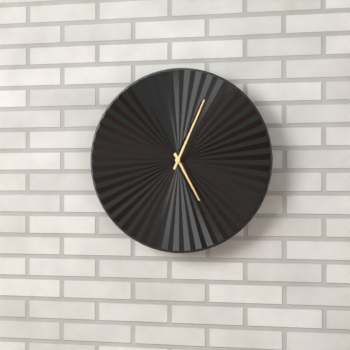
5h04
